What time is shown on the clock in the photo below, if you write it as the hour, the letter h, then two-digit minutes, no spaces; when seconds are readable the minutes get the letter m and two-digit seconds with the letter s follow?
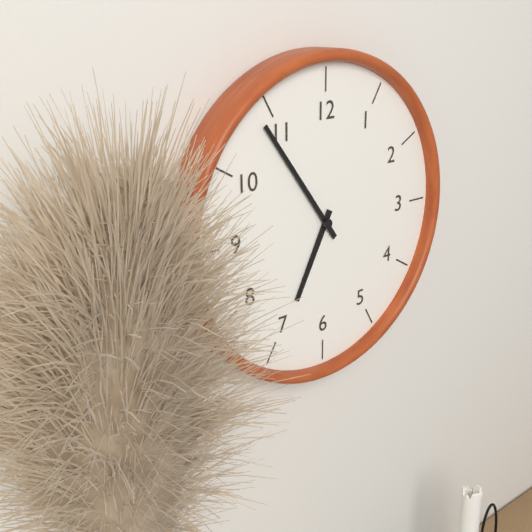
6h54
